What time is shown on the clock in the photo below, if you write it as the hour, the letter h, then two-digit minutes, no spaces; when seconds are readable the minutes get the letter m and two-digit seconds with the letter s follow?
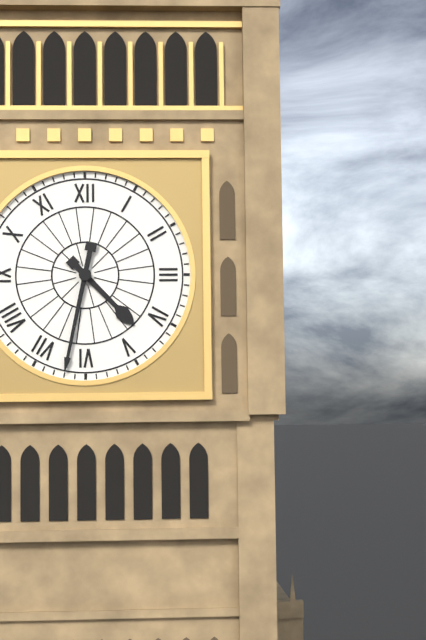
4h32
